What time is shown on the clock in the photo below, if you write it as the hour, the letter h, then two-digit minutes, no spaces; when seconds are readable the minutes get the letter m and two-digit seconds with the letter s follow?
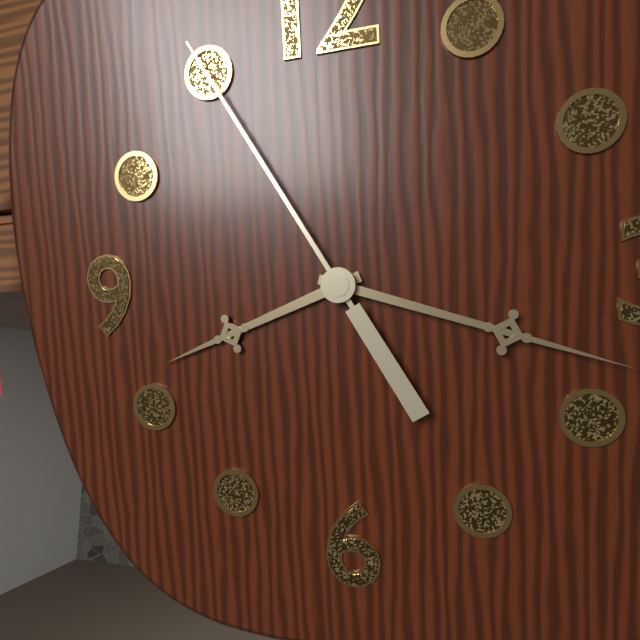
8h18m55s
